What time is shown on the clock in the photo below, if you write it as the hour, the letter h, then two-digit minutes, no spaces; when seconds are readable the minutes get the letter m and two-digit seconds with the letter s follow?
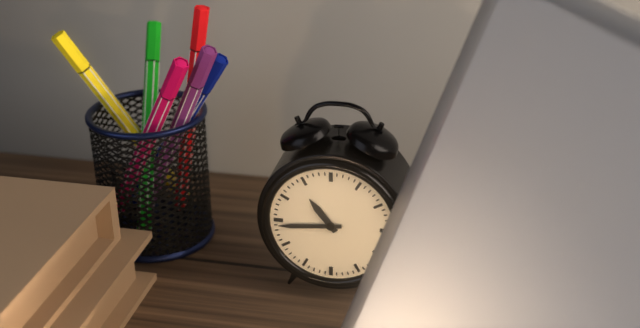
10h44
